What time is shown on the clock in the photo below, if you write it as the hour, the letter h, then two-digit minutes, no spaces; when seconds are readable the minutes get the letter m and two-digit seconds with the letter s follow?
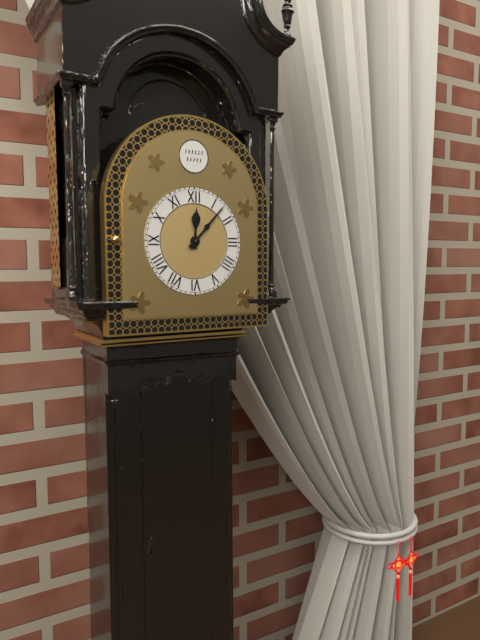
12h07
